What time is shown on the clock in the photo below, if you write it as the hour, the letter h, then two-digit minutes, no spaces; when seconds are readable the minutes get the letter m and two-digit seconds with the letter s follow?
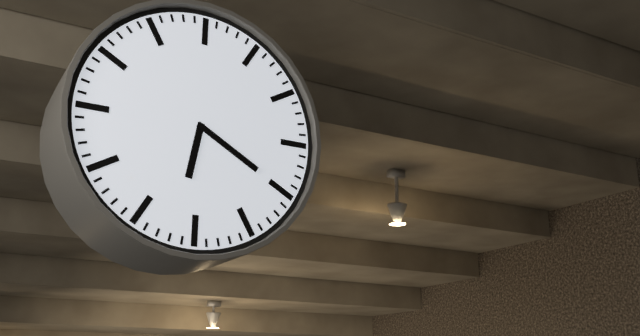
6h20
